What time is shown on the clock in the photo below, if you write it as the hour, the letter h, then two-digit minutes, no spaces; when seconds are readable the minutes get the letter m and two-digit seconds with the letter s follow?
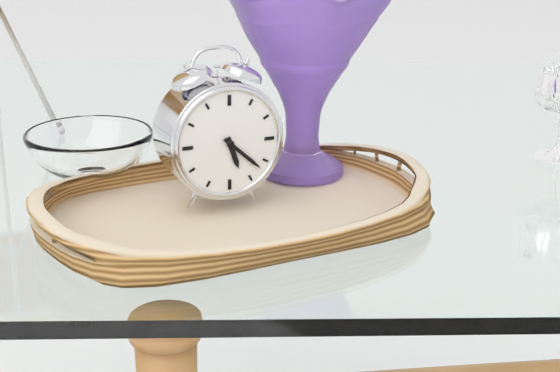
5h22
